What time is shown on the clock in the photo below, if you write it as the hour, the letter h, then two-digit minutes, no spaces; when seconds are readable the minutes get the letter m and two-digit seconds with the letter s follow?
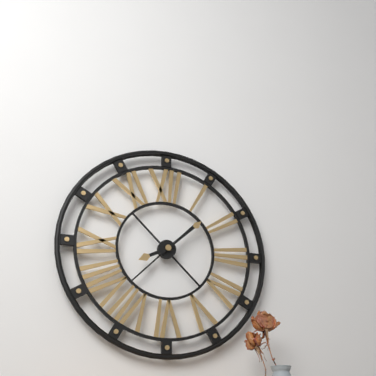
8h08
